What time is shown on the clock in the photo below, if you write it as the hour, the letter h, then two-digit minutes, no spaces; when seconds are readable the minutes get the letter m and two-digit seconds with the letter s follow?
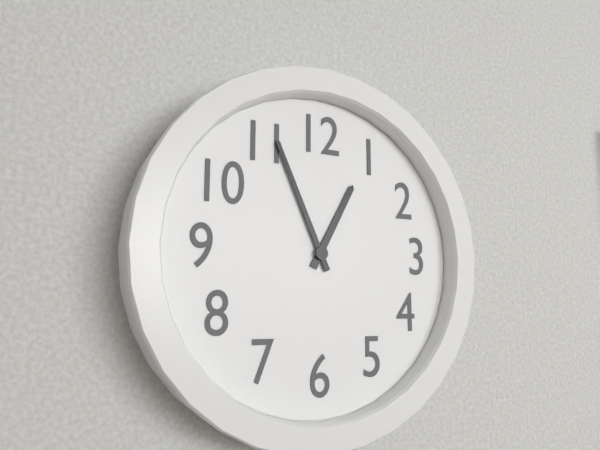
12h56
